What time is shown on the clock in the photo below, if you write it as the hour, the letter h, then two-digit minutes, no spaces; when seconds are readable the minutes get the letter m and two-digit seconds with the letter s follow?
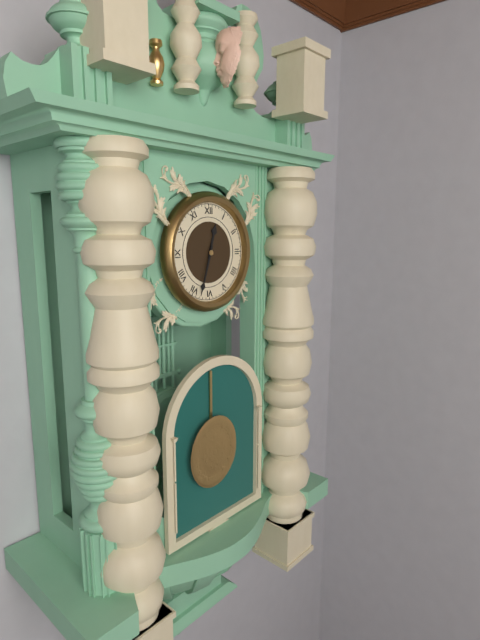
12h33
